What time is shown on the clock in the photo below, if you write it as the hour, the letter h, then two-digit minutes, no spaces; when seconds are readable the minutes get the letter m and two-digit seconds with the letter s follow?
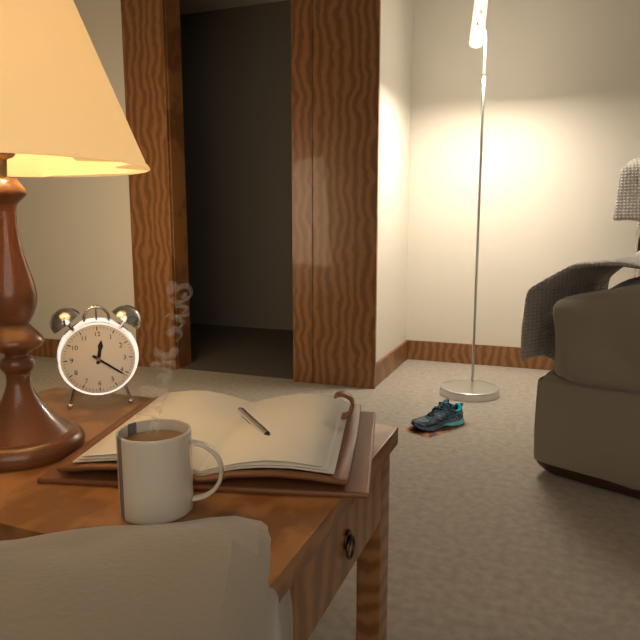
12h21
